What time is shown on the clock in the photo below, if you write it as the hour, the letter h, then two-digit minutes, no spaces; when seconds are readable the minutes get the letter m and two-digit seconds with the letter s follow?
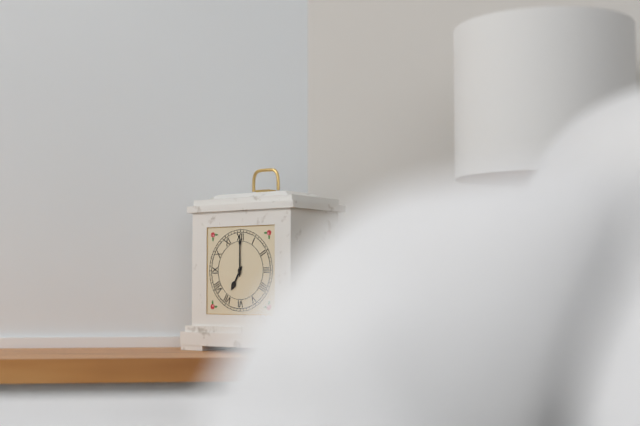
7h00
